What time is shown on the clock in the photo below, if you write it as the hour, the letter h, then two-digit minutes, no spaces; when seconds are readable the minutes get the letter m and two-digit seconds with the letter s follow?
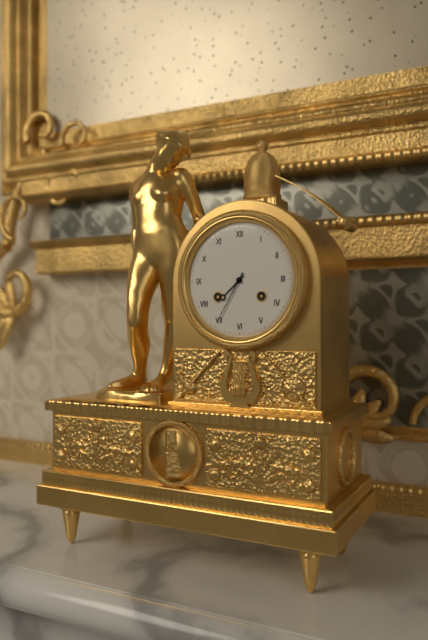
7h35
